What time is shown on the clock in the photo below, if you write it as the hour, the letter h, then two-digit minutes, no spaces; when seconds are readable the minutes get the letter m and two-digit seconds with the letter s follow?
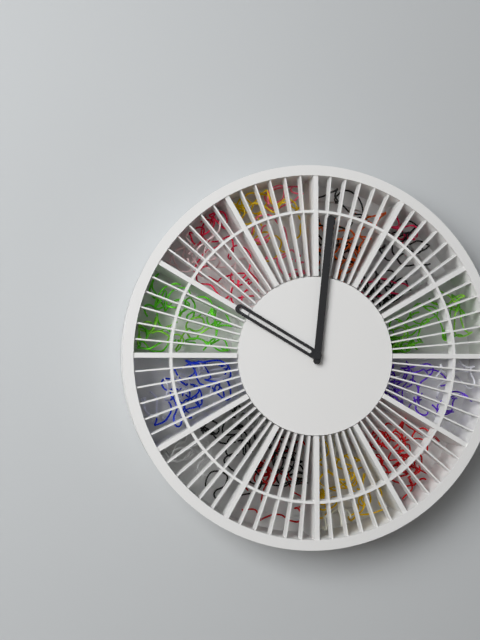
10h01
